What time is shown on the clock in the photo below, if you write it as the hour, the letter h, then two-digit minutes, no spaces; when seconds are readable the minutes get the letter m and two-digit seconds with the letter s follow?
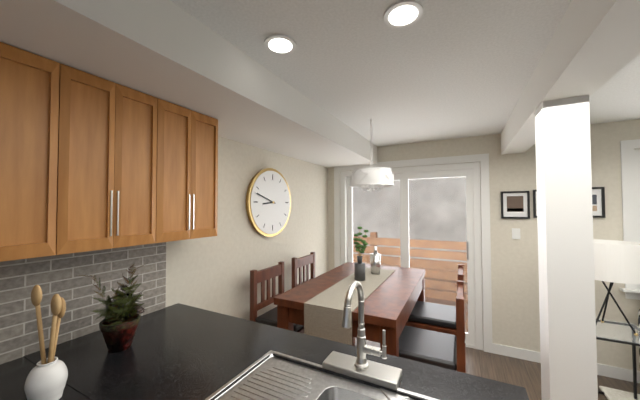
8h48
